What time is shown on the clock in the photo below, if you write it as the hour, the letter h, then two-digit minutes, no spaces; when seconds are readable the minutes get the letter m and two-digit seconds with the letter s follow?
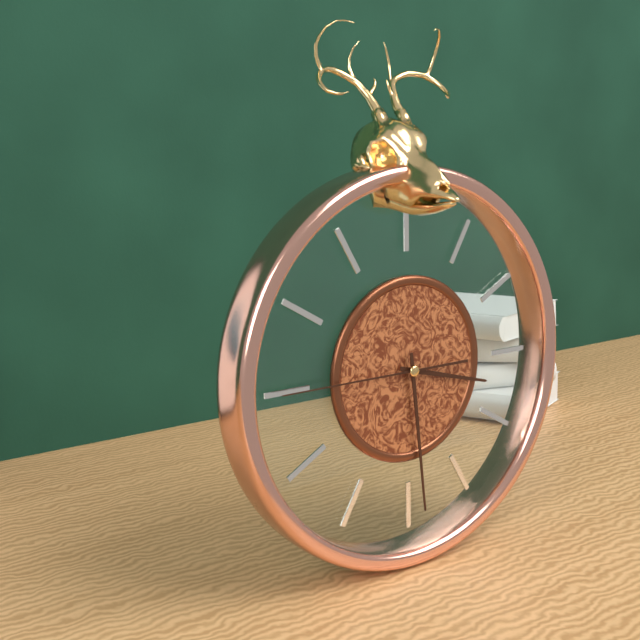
3h29m45s
